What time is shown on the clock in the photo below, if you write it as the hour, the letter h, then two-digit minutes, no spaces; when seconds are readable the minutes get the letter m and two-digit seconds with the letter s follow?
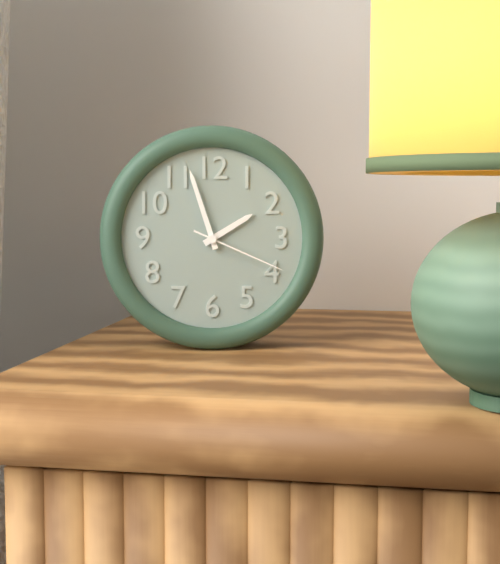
1h57m19s
